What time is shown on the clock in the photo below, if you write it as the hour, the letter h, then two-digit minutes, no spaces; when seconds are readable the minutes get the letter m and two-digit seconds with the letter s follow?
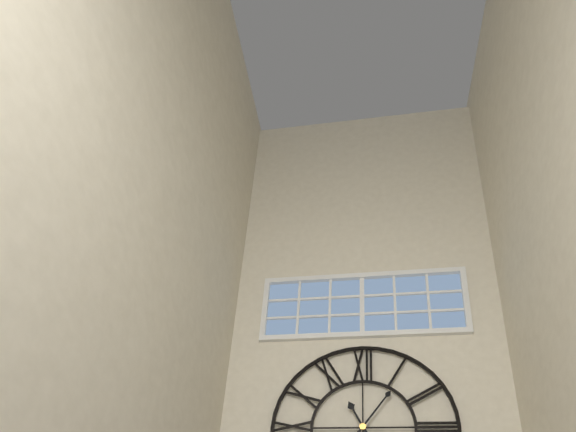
11h06
